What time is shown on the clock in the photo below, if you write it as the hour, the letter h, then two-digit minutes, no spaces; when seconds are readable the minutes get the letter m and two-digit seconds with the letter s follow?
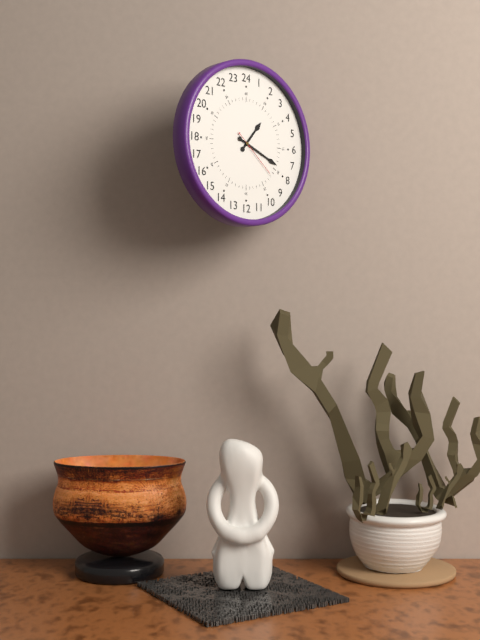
1h19m22s
